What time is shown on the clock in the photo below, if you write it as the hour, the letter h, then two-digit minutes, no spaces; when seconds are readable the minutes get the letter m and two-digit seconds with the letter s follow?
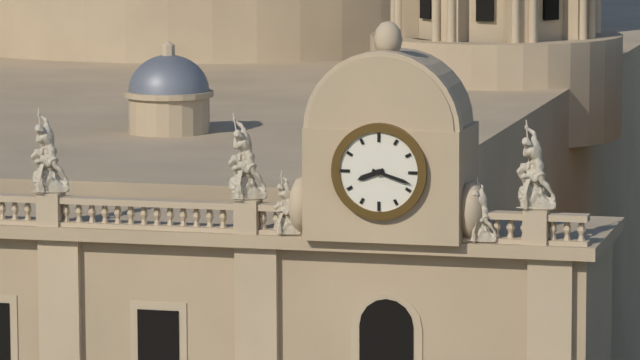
8h18
